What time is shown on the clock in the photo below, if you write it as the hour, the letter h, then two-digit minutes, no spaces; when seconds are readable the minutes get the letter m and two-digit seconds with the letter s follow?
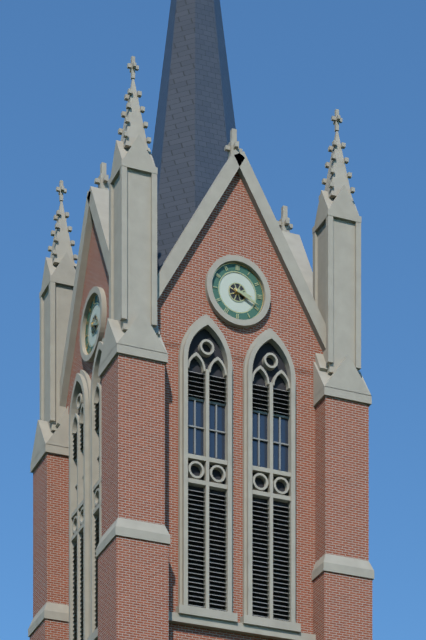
3h19
